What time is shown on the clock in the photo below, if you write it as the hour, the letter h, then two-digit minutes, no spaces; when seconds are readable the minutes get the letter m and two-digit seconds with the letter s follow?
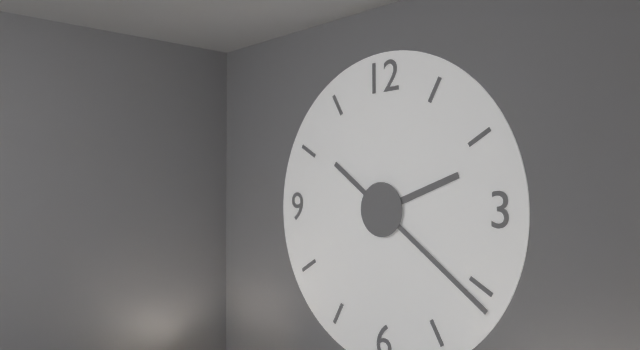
2h21
